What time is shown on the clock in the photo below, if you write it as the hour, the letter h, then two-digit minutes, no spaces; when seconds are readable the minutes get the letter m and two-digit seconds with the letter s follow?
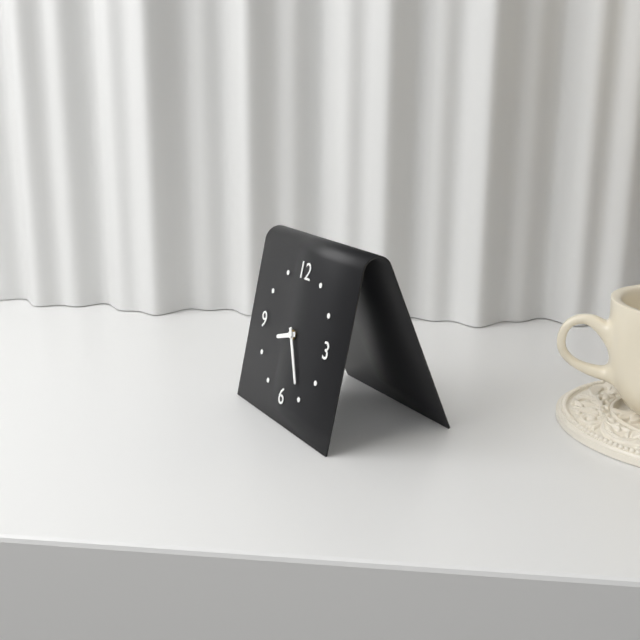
8h25
